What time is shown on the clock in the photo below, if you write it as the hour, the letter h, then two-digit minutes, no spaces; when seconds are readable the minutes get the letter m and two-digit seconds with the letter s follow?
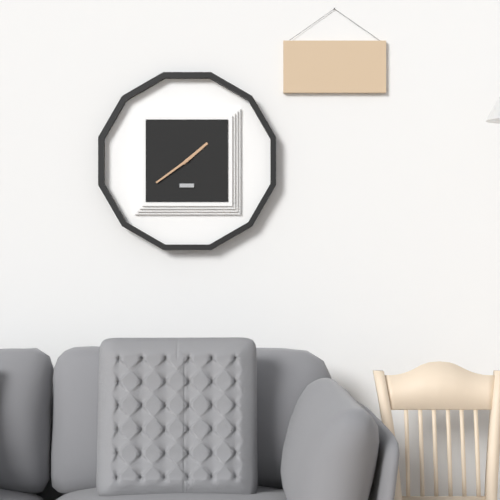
1h39
